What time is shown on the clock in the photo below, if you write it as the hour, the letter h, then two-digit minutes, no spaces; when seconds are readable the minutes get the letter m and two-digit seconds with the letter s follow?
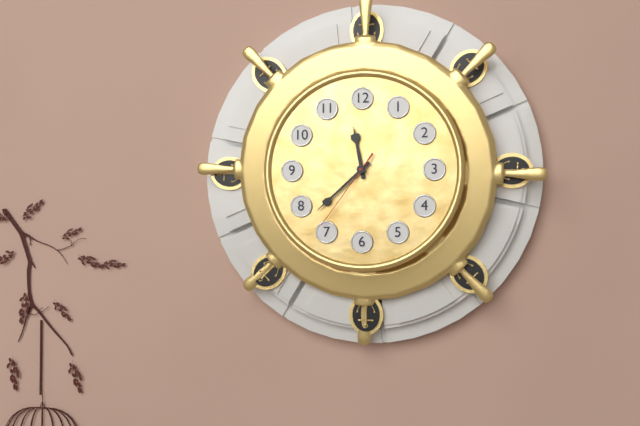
11h38m36s
